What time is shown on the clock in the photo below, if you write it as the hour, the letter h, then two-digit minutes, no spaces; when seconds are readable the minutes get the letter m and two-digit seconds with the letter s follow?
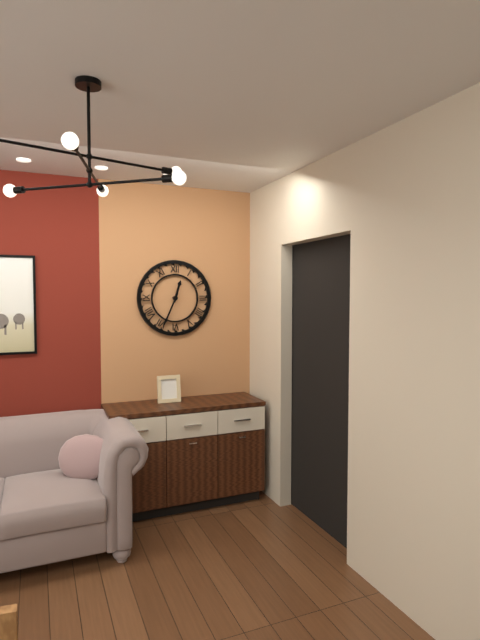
12h34
